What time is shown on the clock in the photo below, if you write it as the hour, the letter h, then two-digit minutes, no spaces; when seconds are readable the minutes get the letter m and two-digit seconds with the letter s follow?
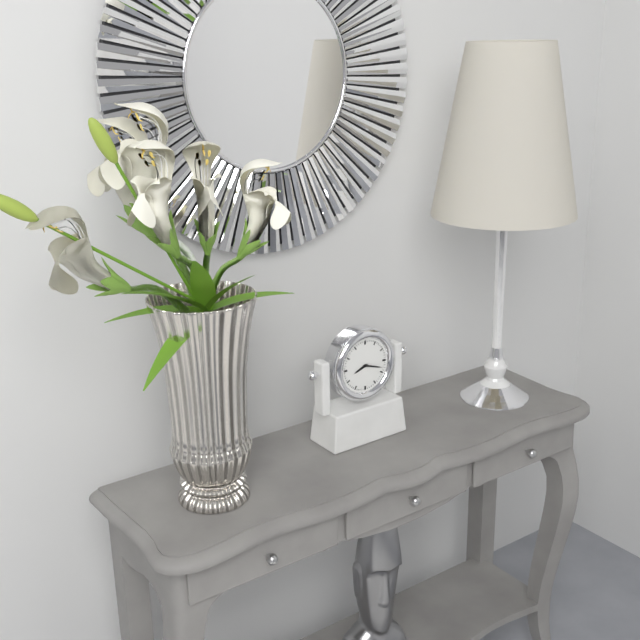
8h18
